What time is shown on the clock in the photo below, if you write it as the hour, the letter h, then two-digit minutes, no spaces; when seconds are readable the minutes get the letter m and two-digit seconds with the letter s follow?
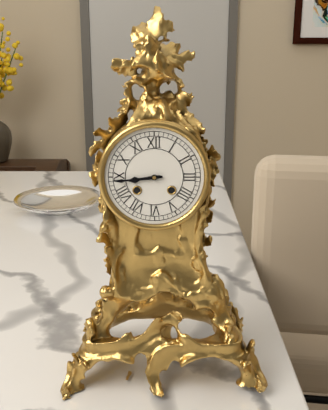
8h44
